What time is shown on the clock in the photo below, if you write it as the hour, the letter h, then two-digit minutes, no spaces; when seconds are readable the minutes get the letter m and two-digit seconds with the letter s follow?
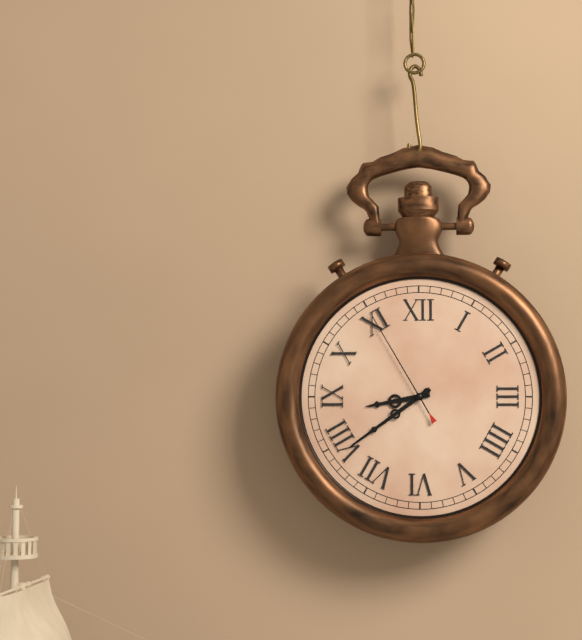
8h39m55s
